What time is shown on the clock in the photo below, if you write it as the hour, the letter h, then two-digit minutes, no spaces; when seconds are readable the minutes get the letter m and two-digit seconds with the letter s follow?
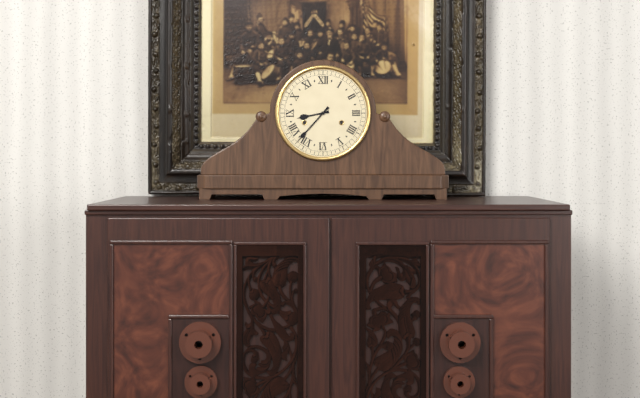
8h37
